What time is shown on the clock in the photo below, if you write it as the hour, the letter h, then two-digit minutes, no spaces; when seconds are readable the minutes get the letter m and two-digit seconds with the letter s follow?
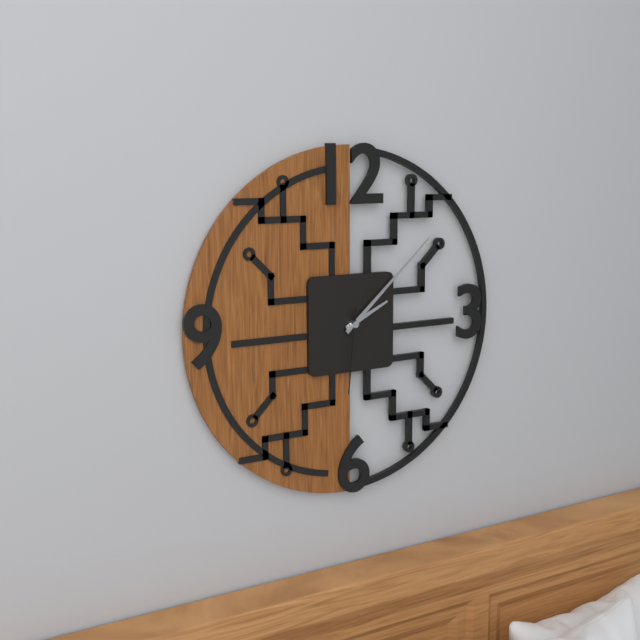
2h08m31s
